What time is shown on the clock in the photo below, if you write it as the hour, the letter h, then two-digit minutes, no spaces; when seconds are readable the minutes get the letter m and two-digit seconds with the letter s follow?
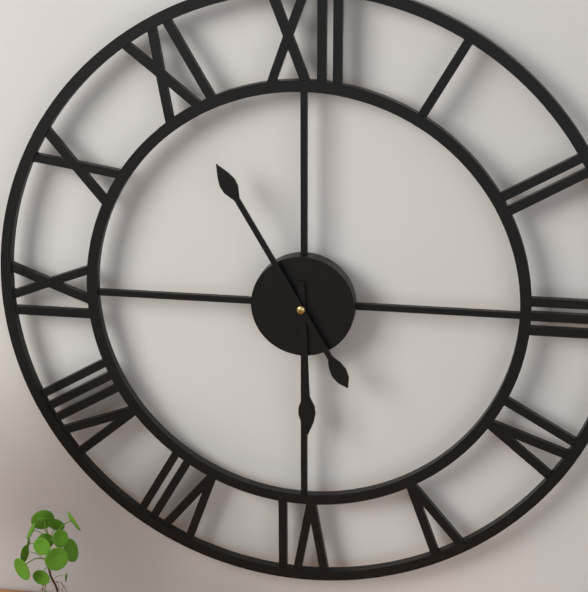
5h55
